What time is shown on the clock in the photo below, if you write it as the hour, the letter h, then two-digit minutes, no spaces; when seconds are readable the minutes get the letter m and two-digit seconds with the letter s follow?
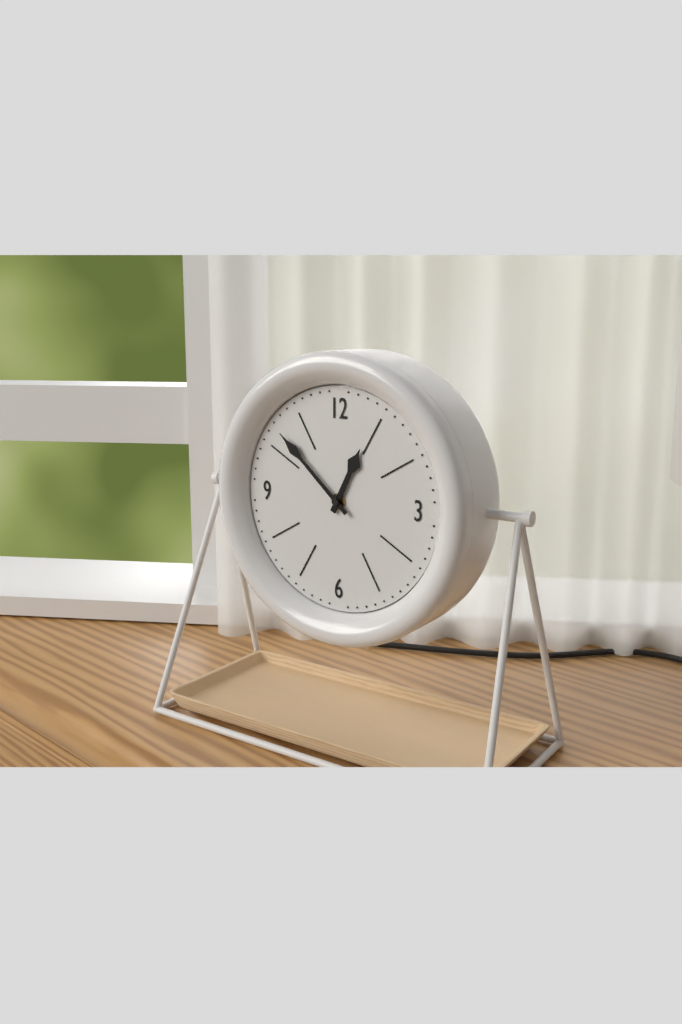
12h52
